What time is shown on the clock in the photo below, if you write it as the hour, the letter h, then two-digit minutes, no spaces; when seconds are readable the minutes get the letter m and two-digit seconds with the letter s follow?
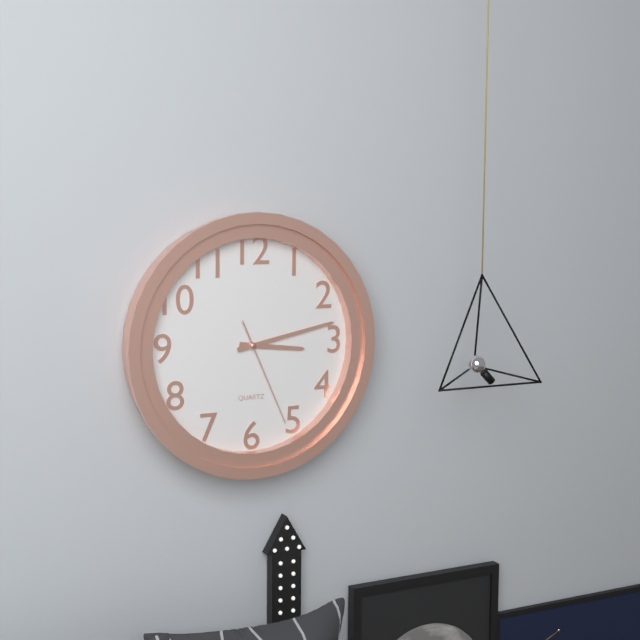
3h13m26s
